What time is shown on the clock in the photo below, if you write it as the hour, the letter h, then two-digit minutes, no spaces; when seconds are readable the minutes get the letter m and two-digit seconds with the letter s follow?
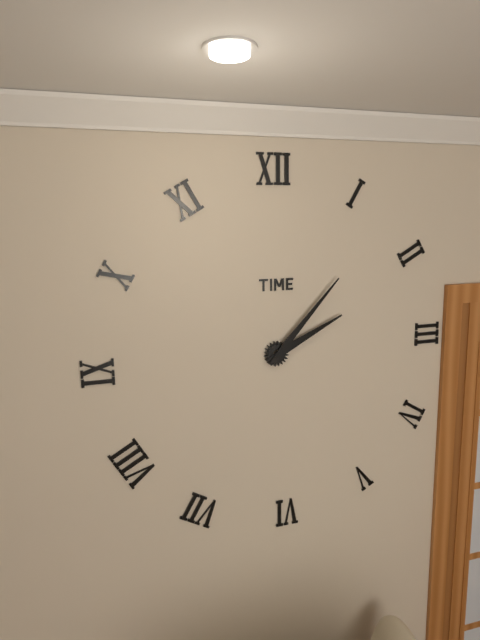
2h07
